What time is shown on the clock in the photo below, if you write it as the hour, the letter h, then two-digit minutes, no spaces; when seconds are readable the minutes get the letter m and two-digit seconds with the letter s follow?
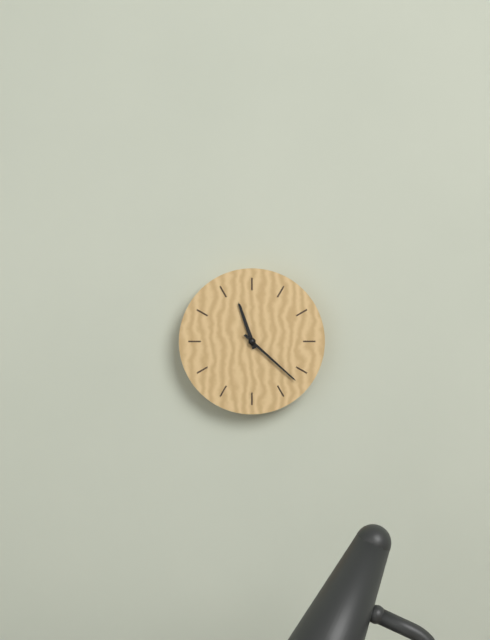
11h22
